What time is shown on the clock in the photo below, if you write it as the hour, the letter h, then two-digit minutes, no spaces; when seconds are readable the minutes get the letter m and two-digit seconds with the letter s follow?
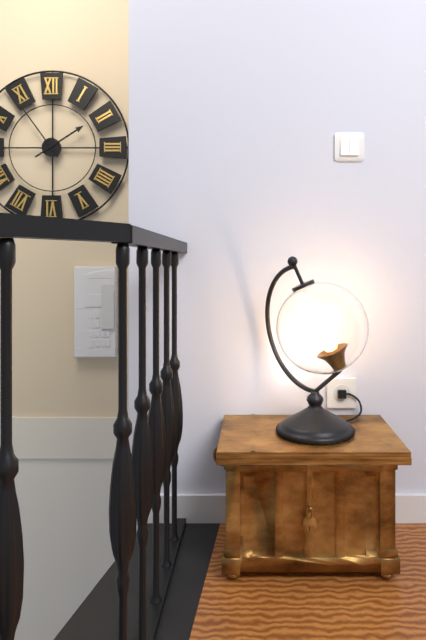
1h54
